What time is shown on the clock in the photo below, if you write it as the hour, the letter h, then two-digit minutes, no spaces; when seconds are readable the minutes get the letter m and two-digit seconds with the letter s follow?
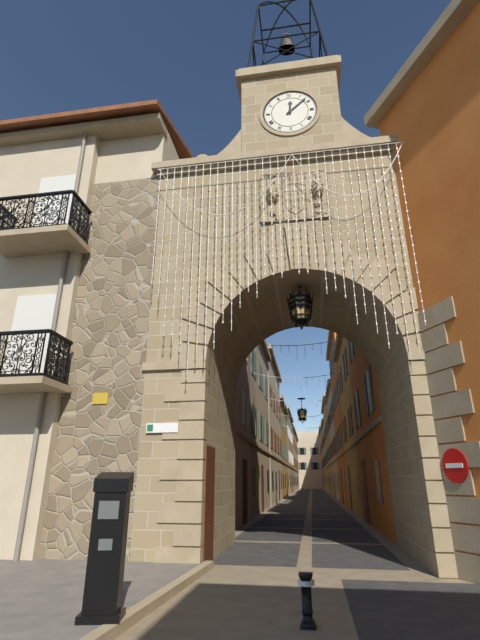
12h08
